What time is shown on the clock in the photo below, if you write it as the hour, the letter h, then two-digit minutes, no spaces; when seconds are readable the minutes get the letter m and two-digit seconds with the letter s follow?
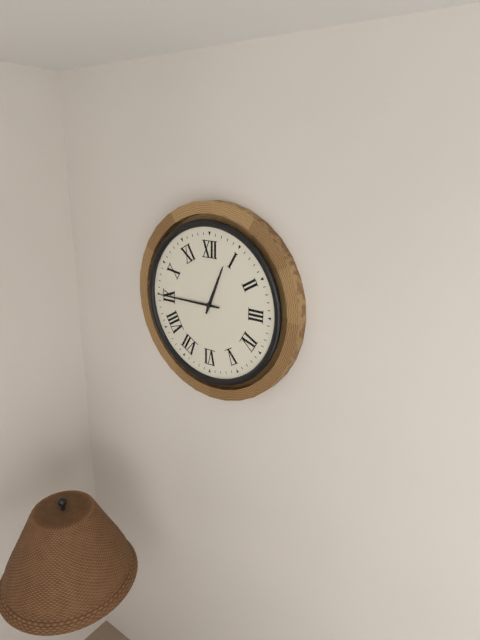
12h45
